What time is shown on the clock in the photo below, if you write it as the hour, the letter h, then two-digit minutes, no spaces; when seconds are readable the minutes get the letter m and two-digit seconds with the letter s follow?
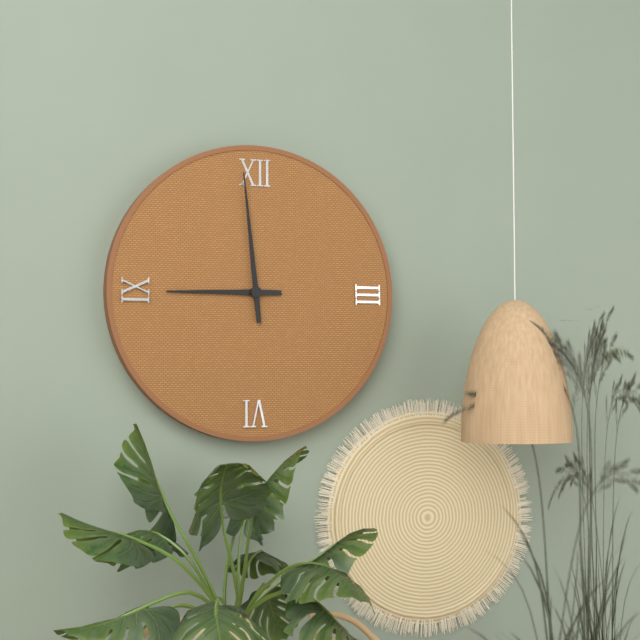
8h59
